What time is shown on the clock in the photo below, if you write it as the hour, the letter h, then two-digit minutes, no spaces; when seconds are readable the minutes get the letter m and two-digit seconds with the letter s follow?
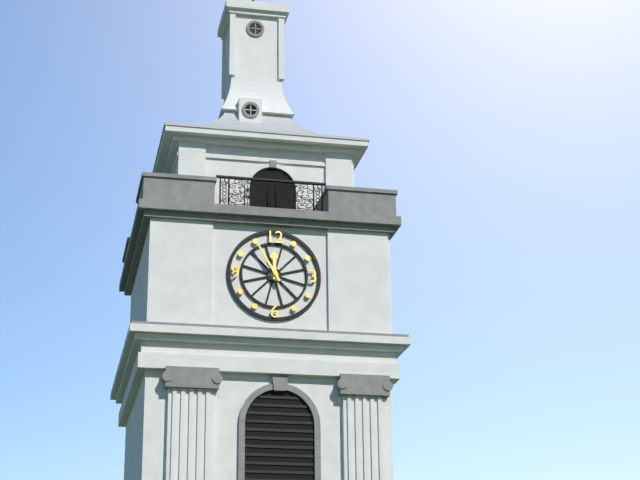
11h55
